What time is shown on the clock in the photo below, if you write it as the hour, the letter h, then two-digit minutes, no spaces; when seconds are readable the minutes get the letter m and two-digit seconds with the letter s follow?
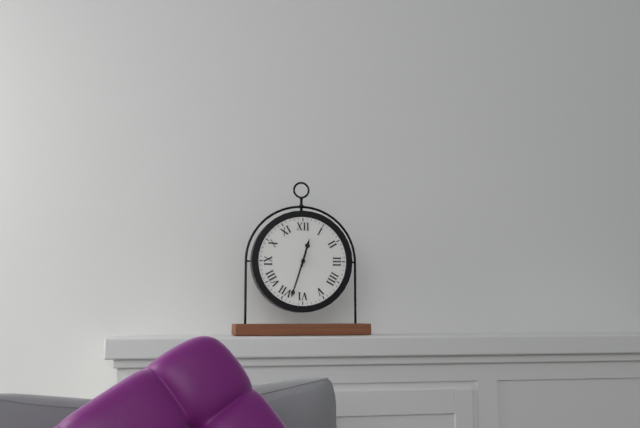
12h33
